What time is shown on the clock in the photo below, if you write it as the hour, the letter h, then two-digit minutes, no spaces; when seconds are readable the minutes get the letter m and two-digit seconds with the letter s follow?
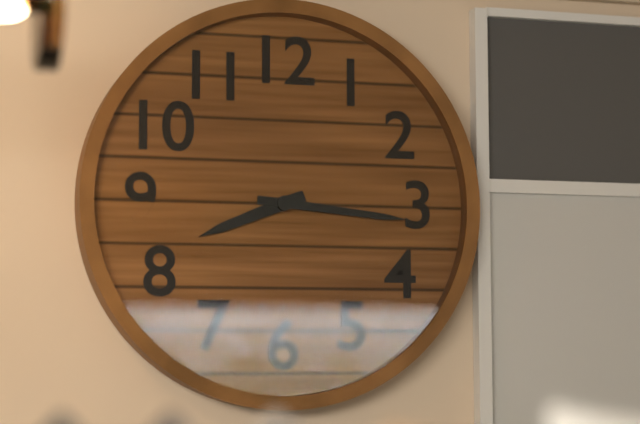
8h16
